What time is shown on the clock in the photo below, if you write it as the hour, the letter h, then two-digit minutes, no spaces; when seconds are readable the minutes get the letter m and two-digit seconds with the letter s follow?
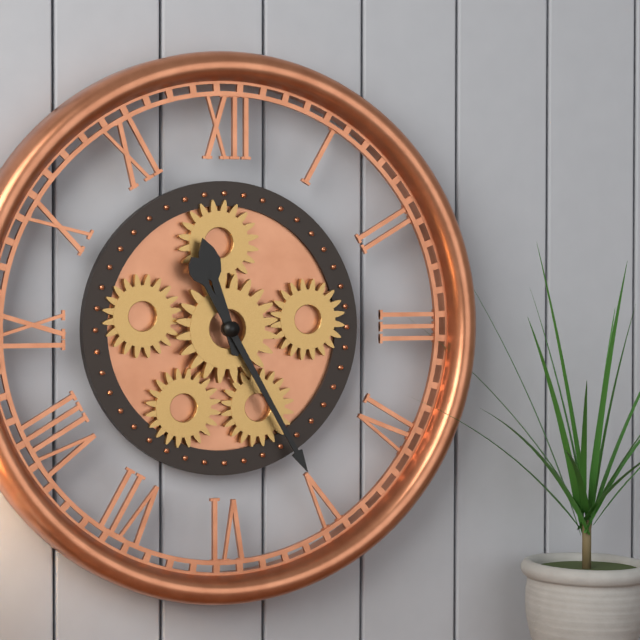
11h25
